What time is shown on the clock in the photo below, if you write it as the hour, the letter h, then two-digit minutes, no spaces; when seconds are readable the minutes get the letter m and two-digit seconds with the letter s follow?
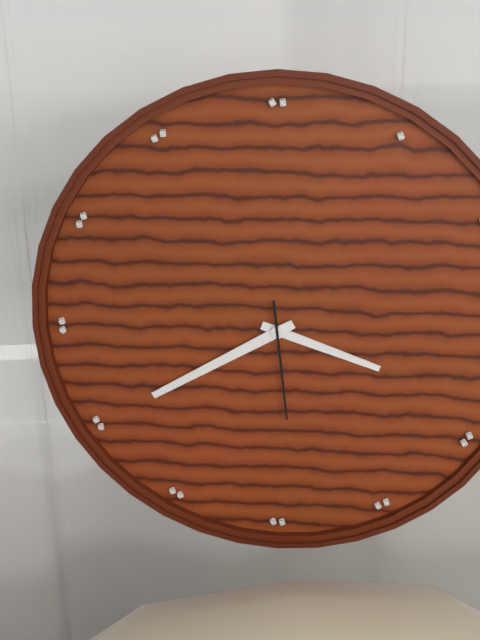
3h40m29s
